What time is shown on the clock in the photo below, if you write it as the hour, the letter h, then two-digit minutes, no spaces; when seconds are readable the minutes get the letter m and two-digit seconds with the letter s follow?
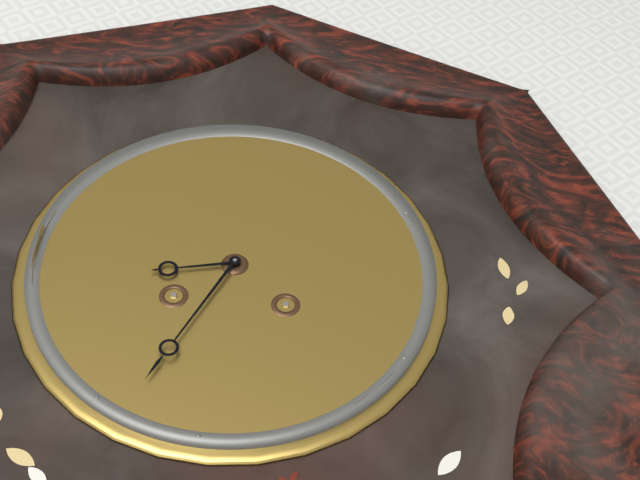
8h34
